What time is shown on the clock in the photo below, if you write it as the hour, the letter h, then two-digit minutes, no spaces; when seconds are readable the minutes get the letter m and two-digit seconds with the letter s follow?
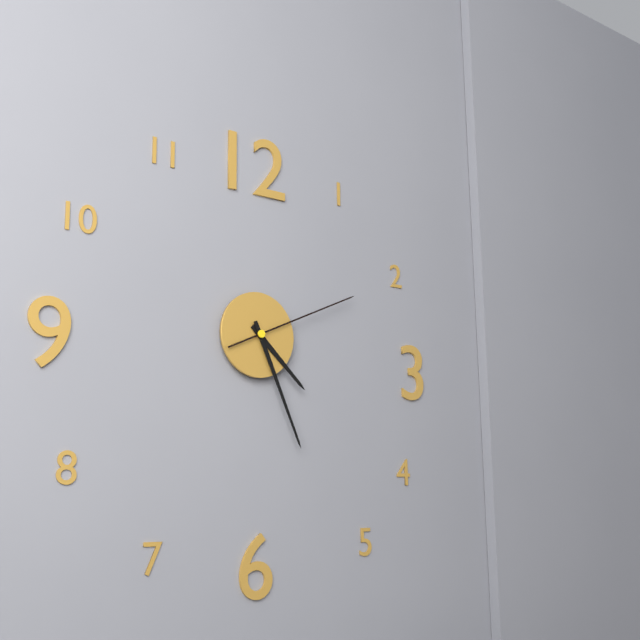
4h26m11s
